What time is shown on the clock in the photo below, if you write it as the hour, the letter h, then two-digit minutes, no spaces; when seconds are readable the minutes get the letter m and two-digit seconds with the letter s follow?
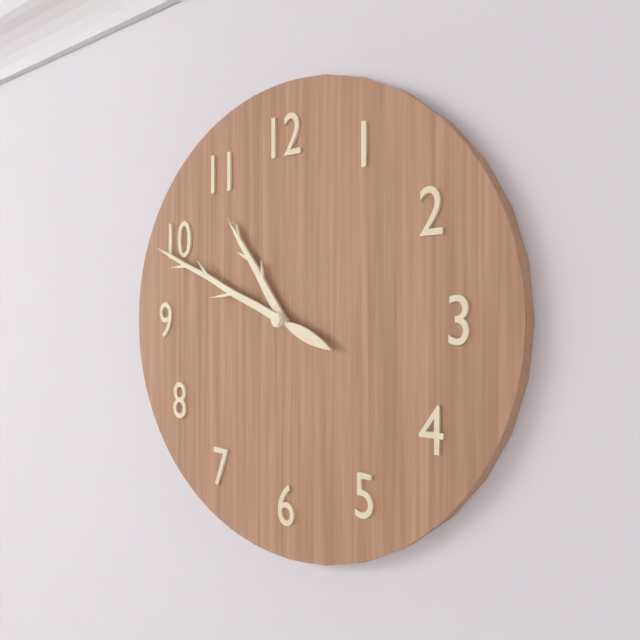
10h49
